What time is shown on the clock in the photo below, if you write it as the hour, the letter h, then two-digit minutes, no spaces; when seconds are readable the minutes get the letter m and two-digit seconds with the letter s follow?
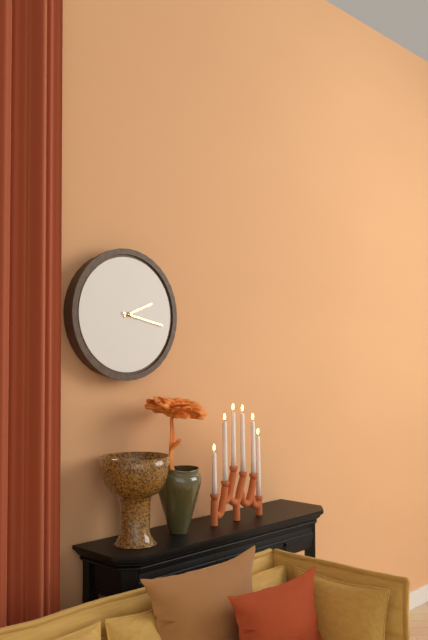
2h17
